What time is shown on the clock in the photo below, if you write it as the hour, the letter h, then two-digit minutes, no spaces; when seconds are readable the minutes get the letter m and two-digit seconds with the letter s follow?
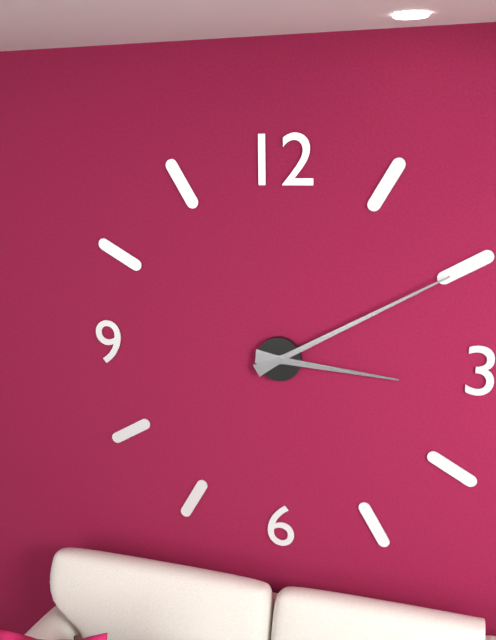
3h10
